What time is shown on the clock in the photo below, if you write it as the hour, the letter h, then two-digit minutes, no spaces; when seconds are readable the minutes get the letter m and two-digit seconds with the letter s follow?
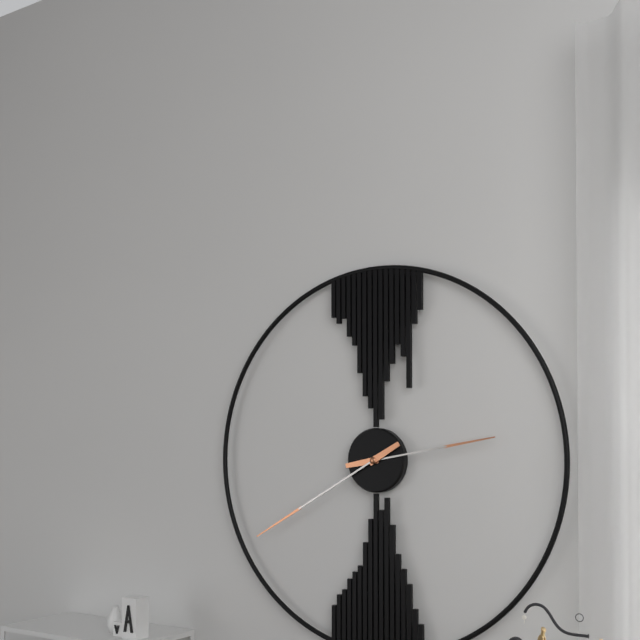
2h40
